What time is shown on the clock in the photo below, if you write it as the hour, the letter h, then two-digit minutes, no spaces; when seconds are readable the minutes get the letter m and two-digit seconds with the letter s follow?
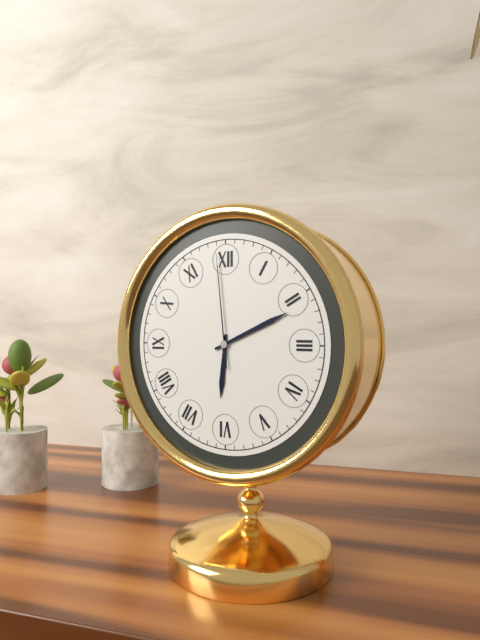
6h11m59s
